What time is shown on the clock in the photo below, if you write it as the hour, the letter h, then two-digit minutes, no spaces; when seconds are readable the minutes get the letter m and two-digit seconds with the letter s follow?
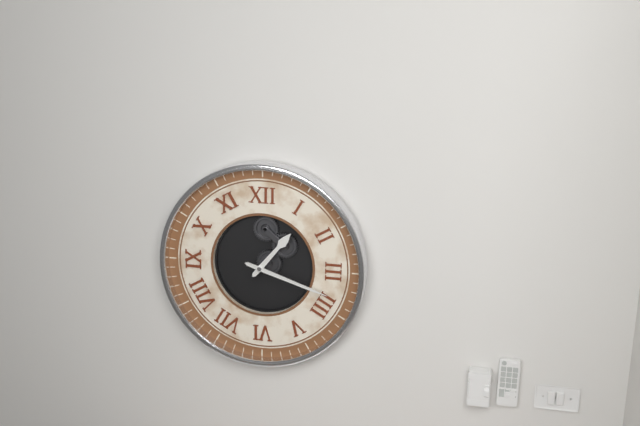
1h18
